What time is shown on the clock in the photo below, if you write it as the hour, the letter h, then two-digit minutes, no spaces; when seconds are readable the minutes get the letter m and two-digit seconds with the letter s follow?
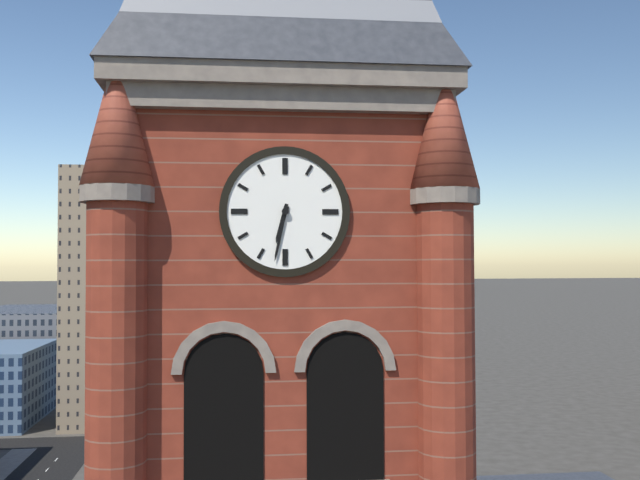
6h32
